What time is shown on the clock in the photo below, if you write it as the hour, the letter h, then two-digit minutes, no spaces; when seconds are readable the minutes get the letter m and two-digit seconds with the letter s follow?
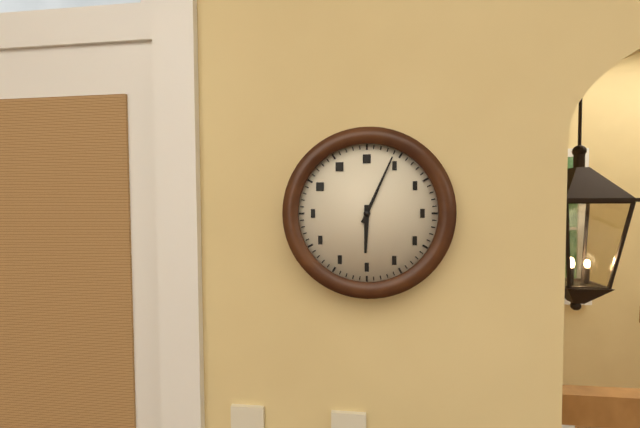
6h04
